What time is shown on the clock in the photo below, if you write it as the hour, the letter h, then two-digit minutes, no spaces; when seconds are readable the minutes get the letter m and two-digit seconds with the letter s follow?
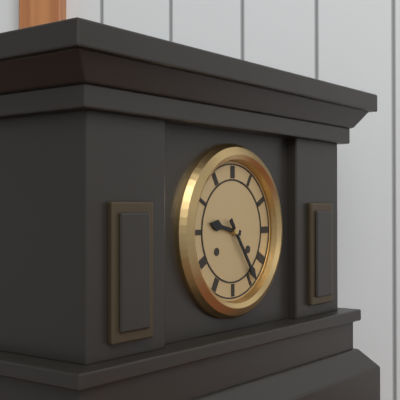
9h24
